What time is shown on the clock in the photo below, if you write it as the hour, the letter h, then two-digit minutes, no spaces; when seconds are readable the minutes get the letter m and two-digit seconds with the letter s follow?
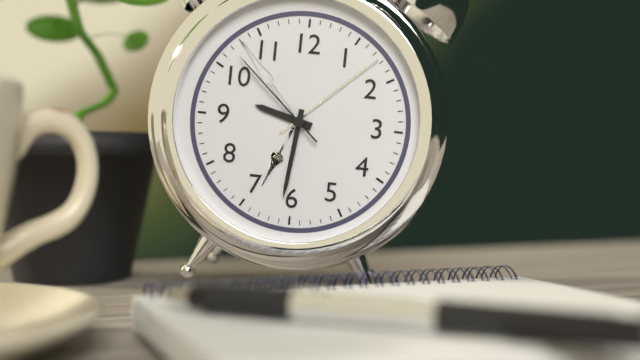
9h31m52s
